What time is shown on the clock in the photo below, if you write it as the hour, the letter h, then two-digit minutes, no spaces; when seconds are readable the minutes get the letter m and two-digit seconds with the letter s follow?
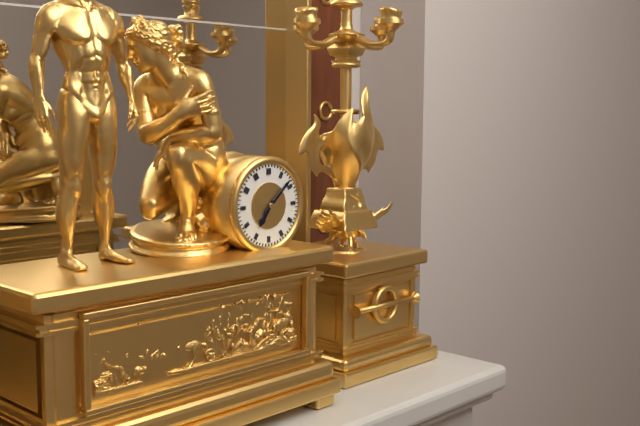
7h08
